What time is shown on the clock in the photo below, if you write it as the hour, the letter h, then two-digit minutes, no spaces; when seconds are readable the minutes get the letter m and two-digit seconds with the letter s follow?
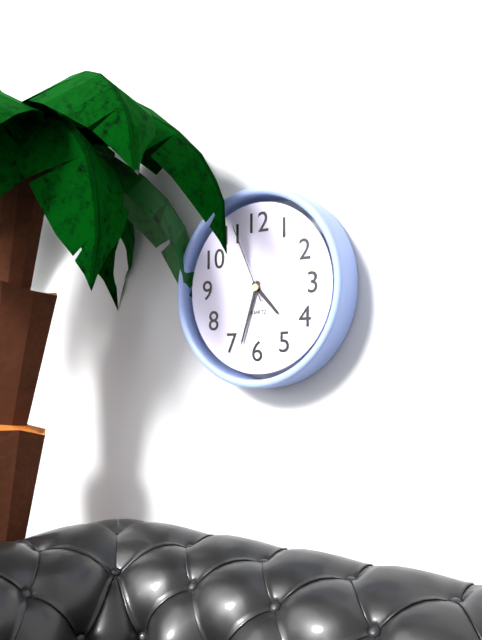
4h33m56s
